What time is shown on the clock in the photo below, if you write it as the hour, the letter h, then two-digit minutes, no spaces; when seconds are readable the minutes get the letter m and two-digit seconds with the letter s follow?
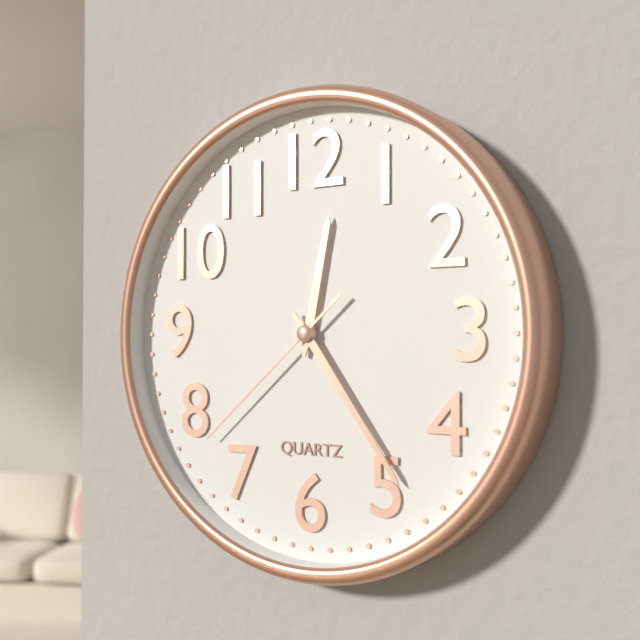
12h24m38s
